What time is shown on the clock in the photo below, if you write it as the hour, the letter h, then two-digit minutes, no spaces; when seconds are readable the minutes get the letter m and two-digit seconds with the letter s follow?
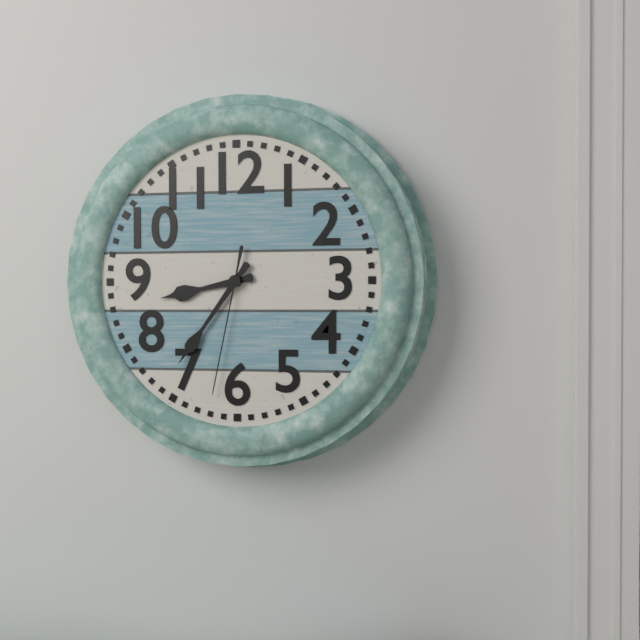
8h36m32s
